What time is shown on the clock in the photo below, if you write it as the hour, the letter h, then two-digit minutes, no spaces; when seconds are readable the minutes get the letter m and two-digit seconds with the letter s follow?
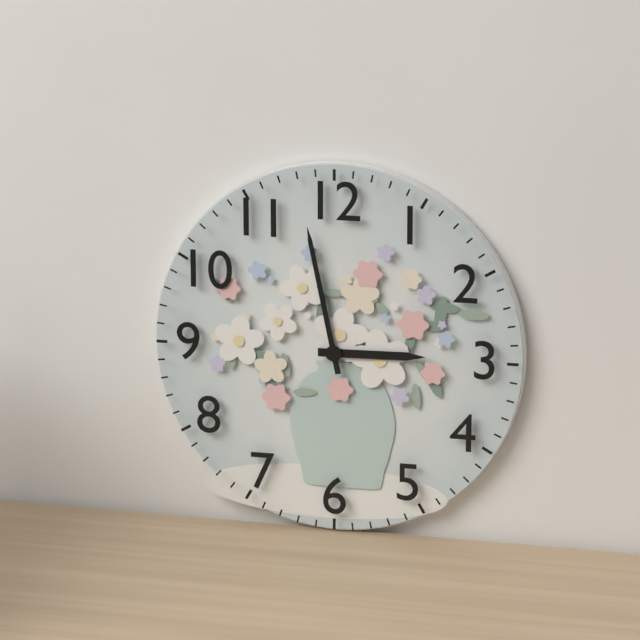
2h58
